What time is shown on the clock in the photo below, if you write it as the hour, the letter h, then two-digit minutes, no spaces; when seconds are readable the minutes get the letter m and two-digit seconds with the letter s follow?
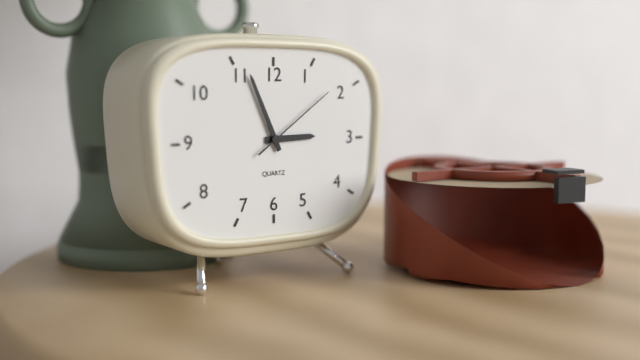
2h56m09s
